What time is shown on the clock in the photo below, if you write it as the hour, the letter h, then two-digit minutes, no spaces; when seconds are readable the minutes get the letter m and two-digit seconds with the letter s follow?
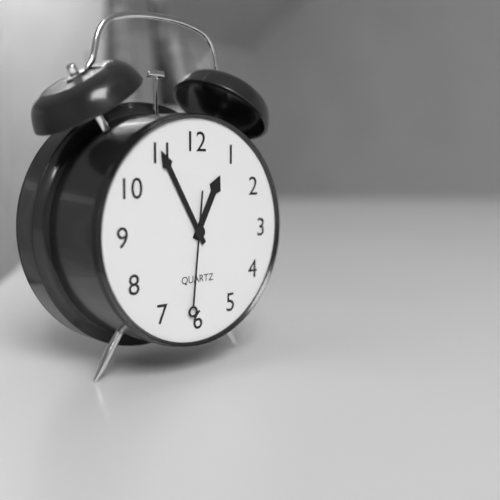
12h55m31s
